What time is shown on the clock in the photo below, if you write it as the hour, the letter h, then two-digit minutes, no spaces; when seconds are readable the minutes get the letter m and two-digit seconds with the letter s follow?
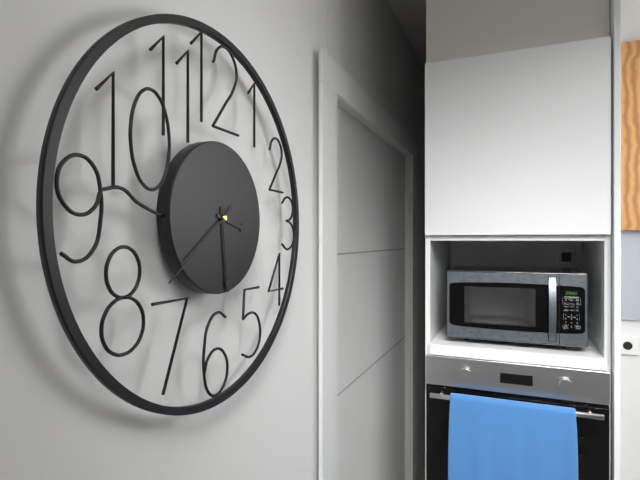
3h29m39s
